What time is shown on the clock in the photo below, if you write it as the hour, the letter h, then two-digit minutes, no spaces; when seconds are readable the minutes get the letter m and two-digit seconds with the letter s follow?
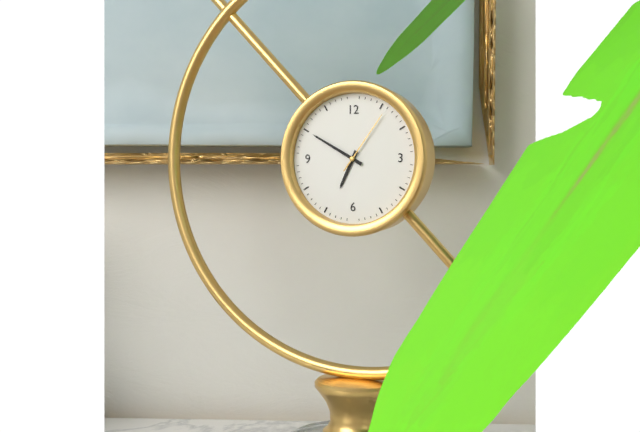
6h50m06s
